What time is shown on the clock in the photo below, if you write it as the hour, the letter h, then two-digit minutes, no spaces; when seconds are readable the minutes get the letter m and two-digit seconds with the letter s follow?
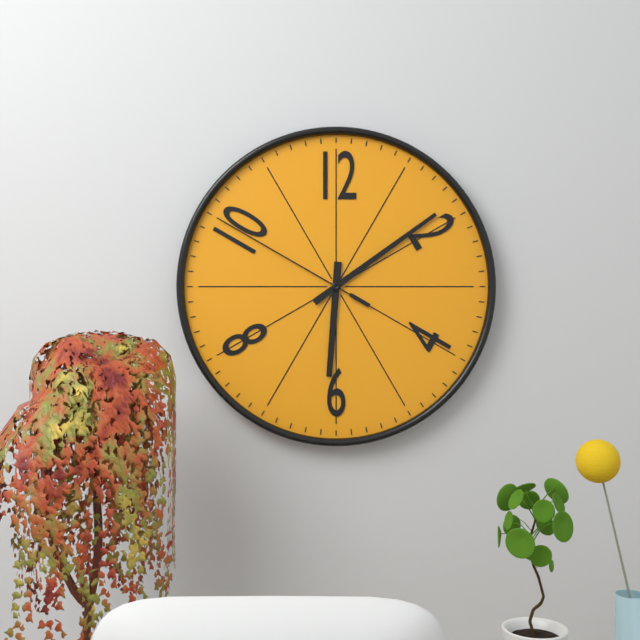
6h09m50s
